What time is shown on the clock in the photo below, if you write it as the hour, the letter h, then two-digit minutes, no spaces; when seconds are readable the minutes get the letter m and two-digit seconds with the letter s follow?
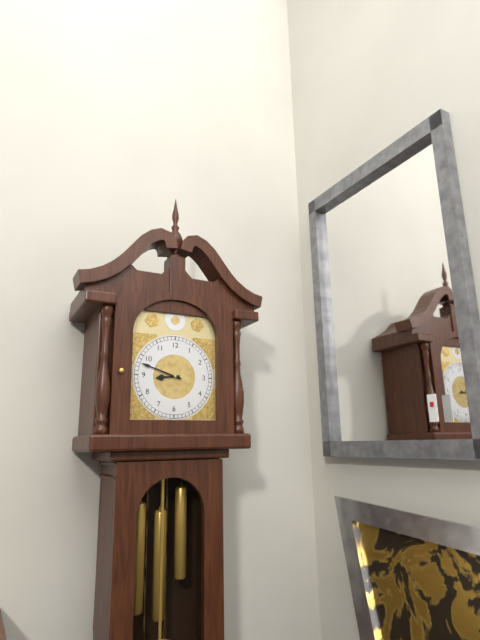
8h48
